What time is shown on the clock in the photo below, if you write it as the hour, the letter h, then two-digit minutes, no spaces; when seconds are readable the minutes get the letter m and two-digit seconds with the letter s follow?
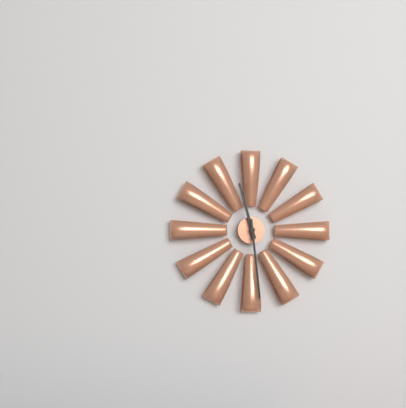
11h29
